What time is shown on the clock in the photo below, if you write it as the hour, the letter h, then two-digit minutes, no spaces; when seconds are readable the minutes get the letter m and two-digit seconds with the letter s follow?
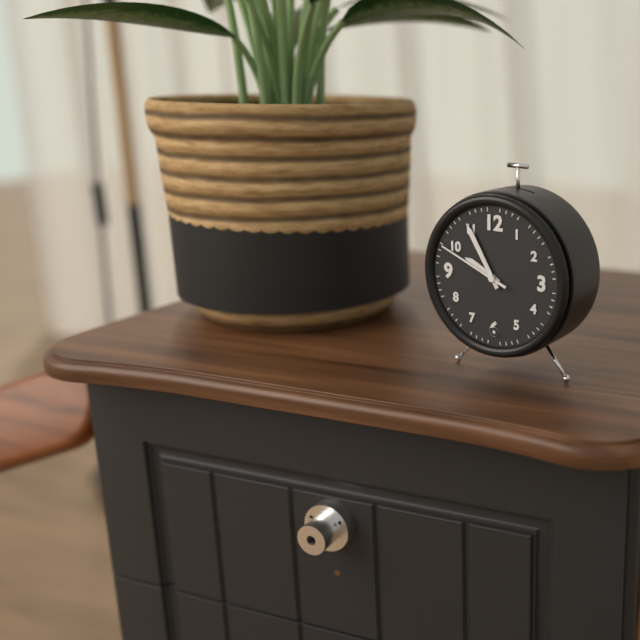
9h55m49s
